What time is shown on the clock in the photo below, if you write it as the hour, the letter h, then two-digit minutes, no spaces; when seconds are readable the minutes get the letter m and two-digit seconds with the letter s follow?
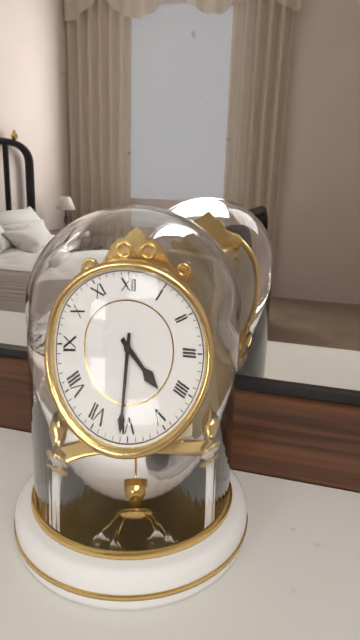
4h31
